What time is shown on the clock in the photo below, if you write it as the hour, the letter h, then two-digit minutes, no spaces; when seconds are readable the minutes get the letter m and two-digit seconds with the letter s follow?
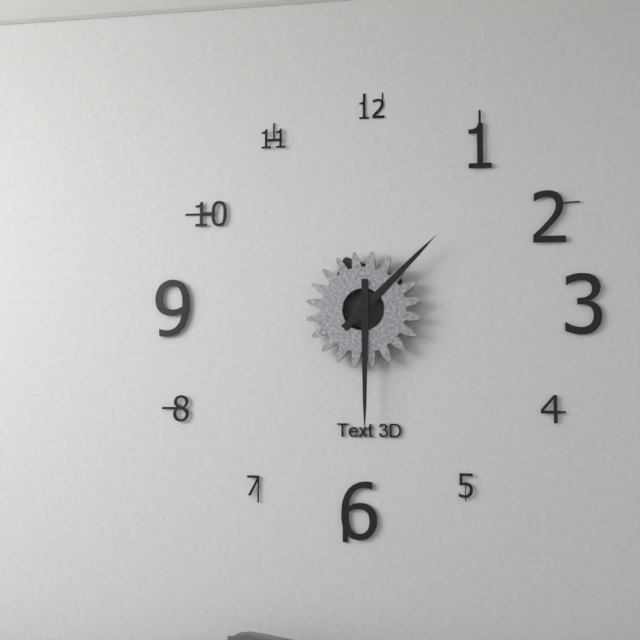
1h30
